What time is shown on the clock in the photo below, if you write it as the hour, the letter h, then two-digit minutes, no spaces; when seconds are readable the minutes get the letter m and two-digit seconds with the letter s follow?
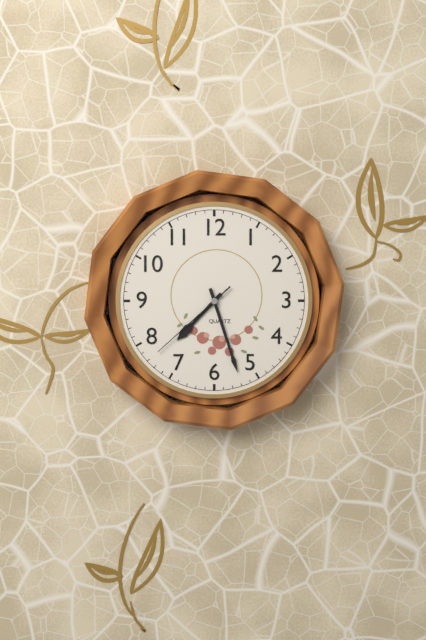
7h27m38s
